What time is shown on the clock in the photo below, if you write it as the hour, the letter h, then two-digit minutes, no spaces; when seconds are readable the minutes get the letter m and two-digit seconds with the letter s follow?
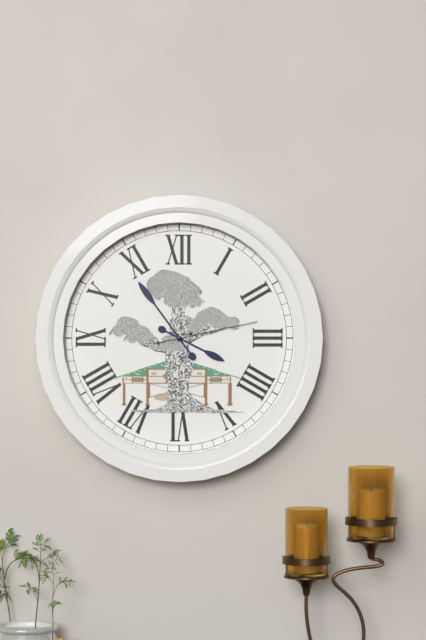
3h54m13s
